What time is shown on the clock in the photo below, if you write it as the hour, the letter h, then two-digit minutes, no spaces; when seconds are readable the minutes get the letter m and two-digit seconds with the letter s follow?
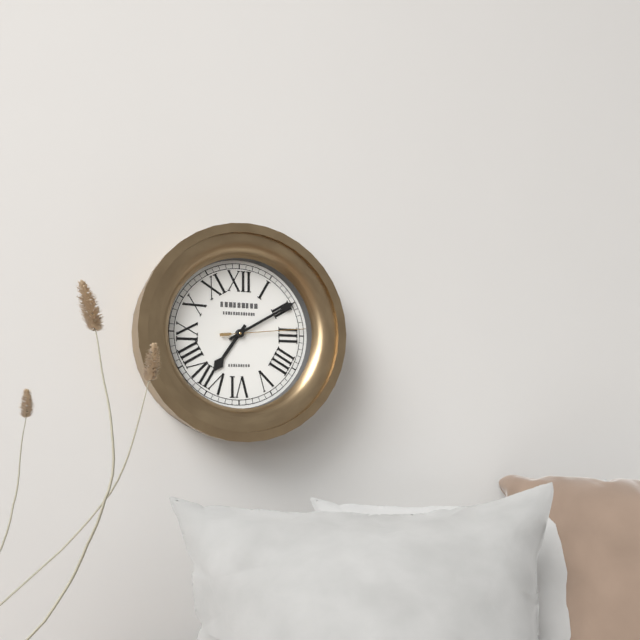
7h10m14s
